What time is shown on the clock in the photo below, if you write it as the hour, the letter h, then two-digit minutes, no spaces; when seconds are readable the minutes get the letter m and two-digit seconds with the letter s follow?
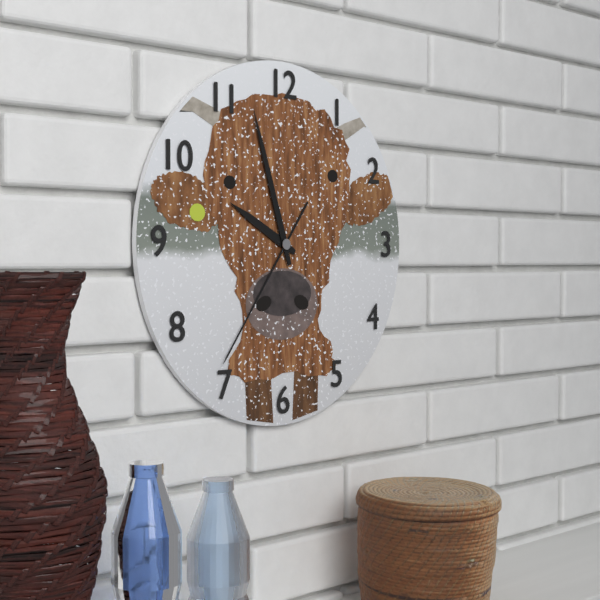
9h57m36s
